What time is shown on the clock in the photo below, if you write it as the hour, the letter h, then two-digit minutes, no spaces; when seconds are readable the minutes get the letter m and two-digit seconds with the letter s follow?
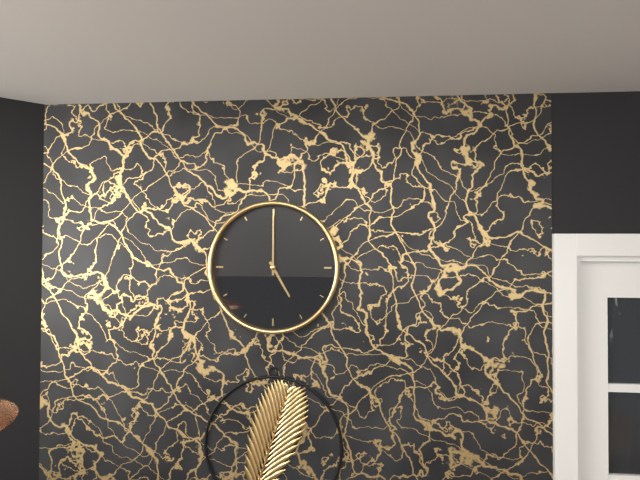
5h00
